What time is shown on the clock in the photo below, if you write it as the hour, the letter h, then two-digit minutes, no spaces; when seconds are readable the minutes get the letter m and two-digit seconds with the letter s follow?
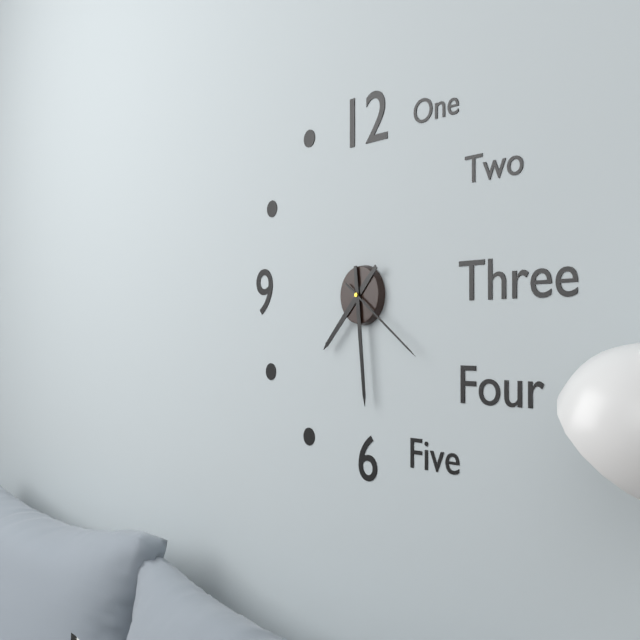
7h29m21s
